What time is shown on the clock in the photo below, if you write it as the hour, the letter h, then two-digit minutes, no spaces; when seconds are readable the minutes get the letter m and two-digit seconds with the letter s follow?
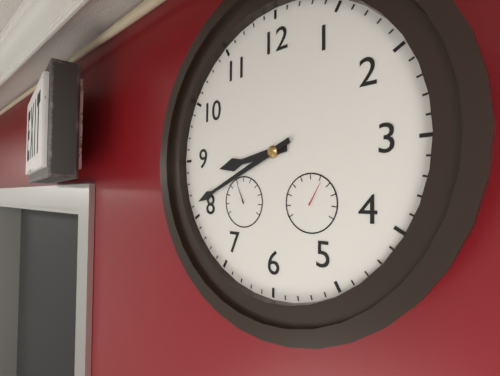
8h41
